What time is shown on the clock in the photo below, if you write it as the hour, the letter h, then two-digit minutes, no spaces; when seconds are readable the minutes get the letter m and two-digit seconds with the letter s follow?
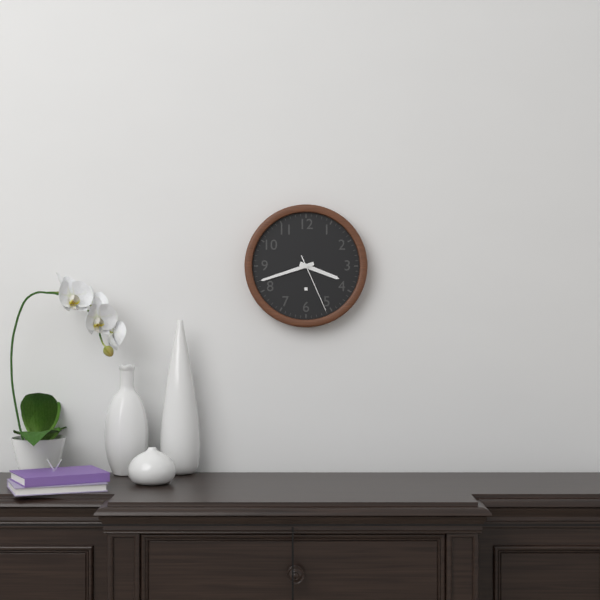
3h42m26s
